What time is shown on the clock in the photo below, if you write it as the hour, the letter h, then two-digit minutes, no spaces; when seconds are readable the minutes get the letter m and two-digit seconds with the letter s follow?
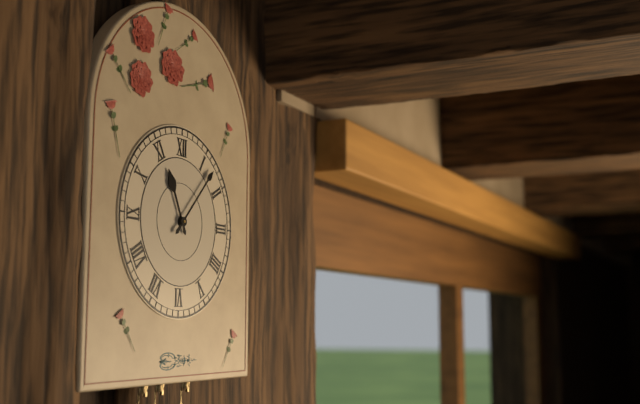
11h07
